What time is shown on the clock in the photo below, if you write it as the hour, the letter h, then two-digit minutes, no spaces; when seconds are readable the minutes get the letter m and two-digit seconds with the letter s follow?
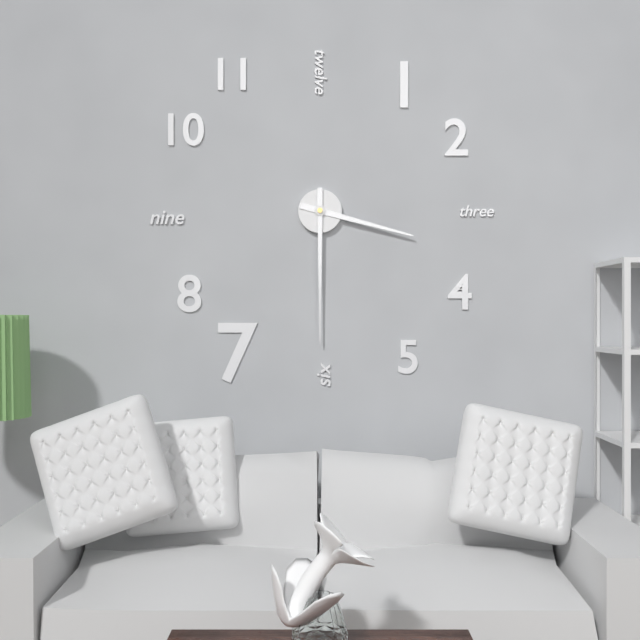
3h30
